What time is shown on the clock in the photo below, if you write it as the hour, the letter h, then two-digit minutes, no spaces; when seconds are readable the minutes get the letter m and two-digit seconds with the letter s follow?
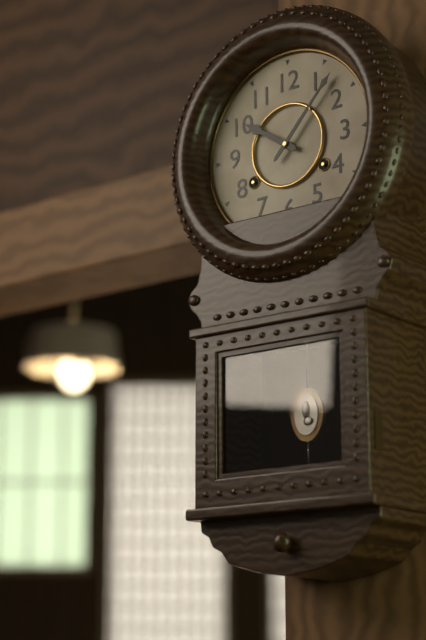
10h07
